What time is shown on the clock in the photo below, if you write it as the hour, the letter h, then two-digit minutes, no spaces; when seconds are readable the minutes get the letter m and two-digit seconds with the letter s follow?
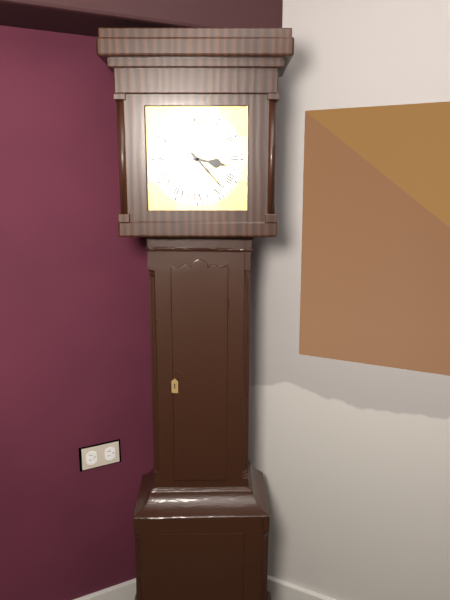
3h23
